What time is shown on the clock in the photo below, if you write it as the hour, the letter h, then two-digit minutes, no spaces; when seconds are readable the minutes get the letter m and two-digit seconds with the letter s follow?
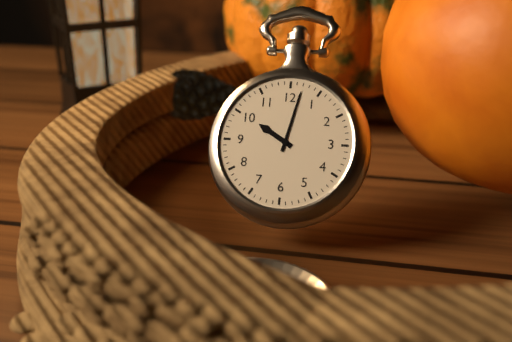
10h02
